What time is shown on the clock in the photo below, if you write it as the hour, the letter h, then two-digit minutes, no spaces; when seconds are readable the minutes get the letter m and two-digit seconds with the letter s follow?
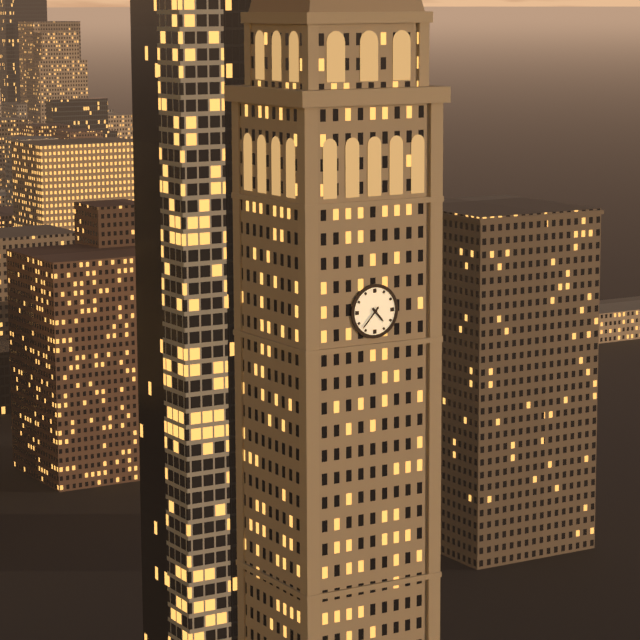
4h37
